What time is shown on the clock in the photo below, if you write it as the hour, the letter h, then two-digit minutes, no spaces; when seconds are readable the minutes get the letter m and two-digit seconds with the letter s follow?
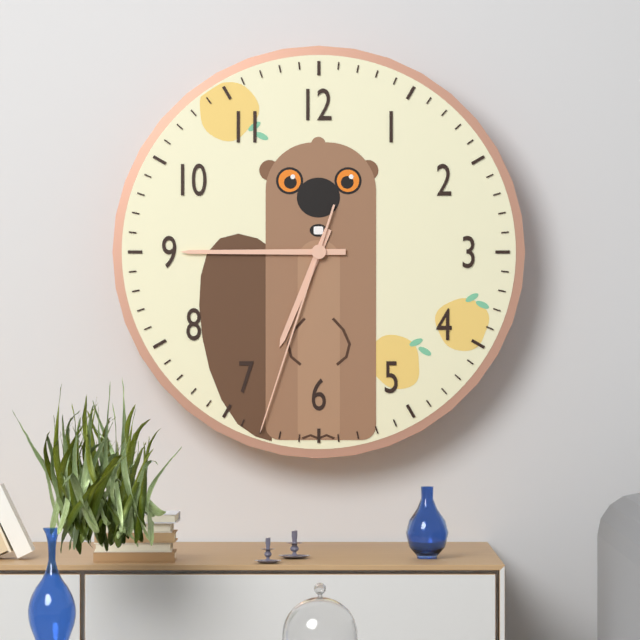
6h45m33s
